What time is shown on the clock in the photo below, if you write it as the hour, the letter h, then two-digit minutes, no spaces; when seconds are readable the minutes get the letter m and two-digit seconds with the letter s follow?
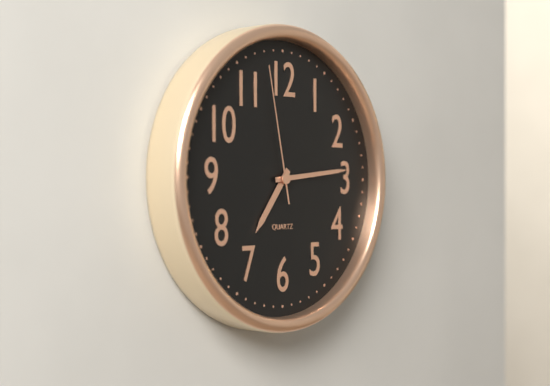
7h14m58s
